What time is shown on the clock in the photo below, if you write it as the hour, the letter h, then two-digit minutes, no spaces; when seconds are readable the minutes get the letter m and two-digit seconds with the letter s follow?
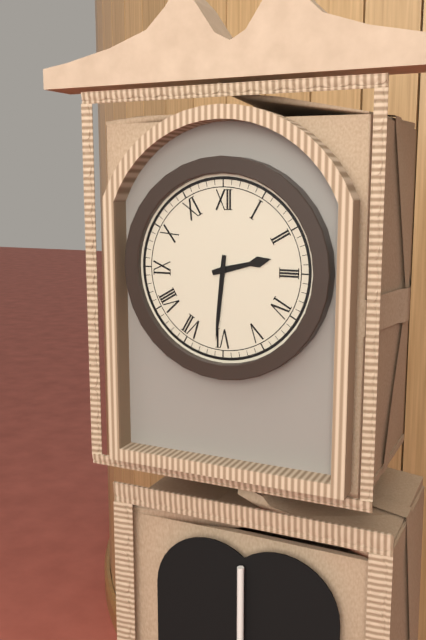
2h31
